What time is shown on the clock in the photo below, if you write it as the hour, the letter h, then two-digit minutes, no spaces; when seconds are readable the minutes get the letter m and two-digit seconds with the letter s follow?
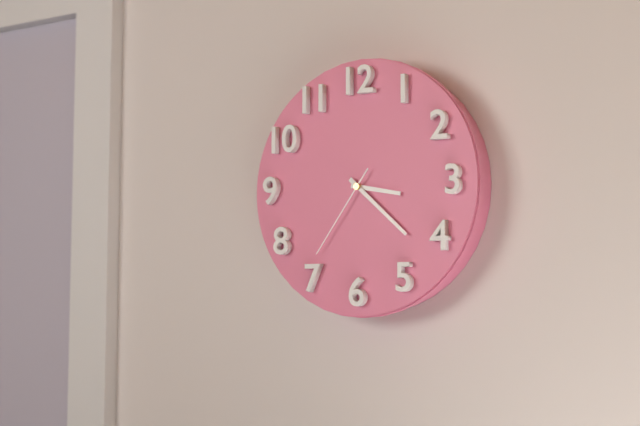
3h22m36s
